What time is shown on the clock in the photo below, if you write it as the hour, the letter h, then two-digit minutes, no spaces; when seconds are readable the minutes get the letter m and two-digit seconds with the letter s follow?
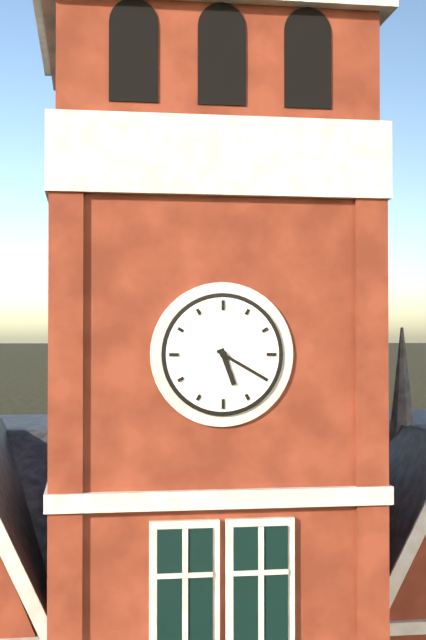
5h20
